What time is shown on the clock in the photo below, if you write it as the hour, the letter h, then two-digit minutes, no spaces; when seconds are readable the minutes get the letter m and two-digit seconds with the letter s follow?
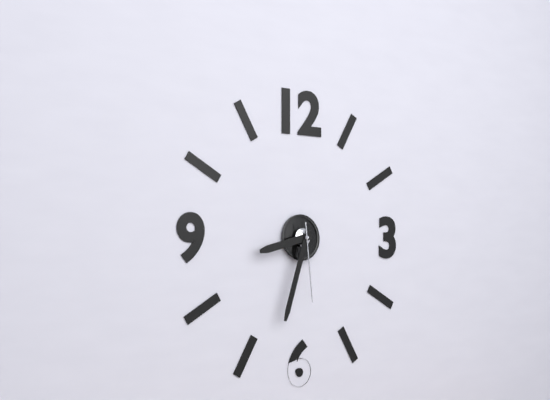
8h33m29s
